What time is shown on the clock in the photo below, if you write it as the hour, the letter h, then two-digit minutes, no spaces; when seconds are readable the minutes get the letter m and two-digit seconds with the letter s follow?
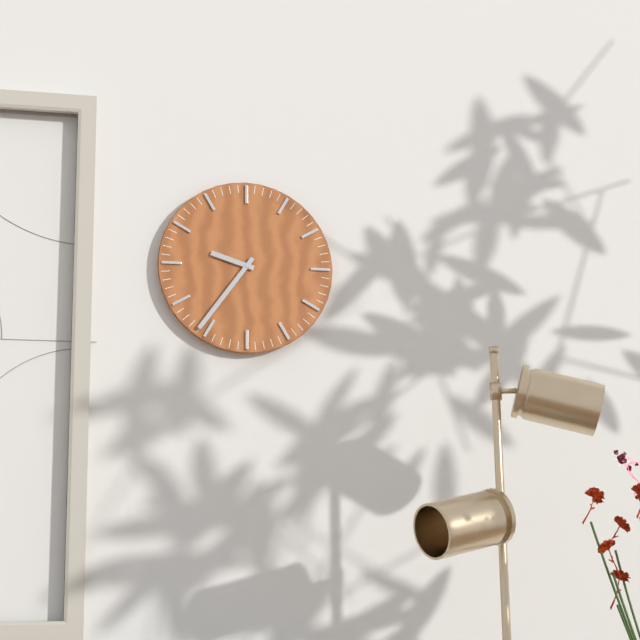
9h36
